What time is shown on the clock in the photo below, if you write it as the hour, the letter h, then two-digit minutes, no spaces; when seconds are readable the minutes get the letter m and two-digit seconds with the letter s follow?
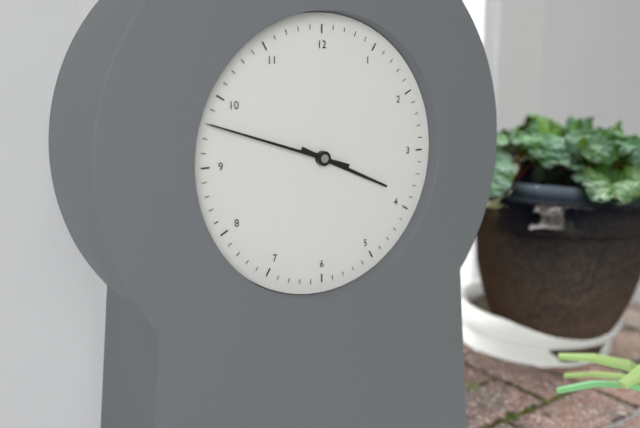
3h48
